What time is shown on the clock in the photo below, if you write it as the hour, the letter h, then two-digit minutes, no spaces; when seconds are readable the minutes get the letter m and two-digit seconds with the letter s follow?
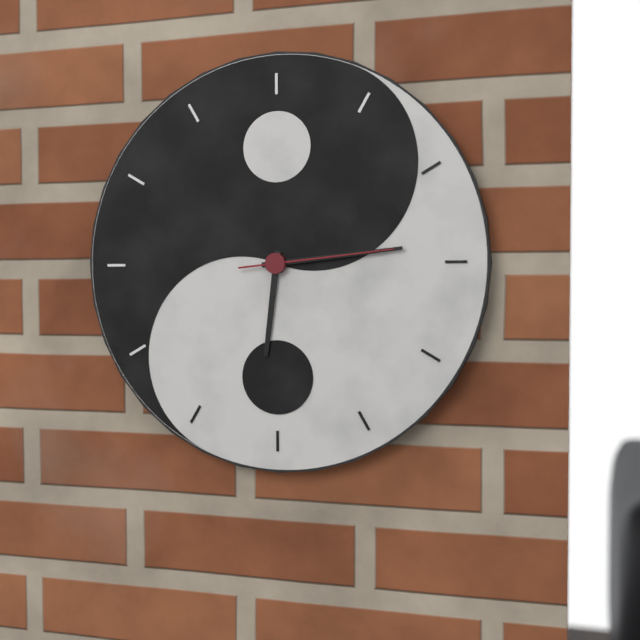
6h14m14s
